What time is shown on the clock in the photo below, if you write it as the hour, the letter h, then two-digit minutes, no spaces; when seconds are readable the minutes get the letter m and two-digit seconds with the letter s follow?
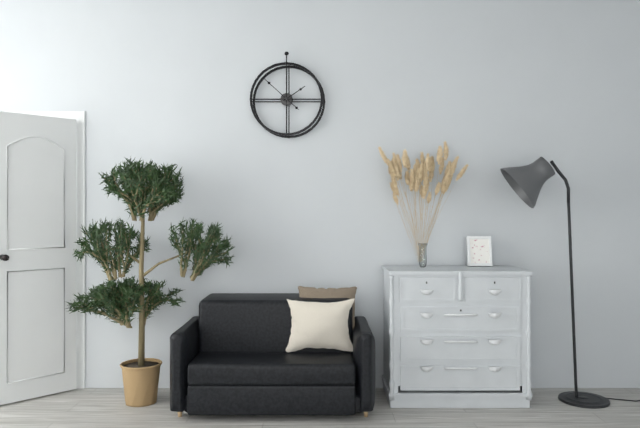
1h52
